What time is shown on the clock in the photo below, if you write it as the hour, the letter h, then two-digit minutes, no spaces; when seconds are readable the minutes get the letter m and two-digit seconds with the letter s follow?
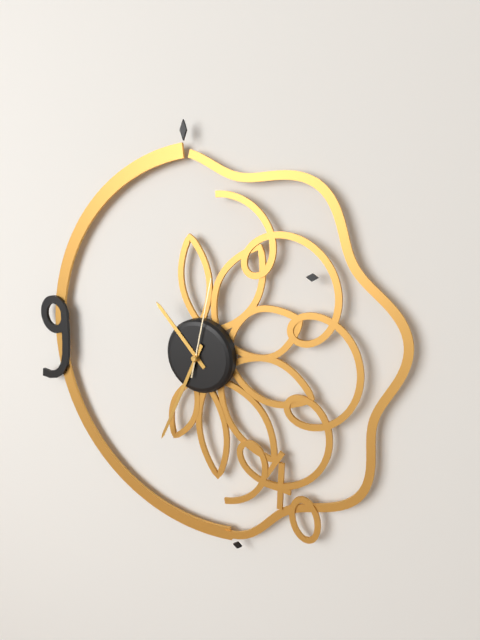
10h34m02s
